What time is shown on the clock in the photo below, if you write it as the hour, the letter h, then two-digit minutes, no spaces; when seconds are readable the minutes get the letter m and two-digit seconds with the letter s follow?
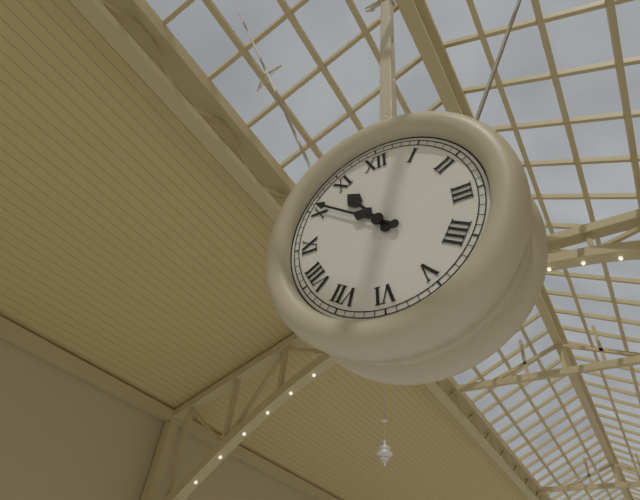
10h51
